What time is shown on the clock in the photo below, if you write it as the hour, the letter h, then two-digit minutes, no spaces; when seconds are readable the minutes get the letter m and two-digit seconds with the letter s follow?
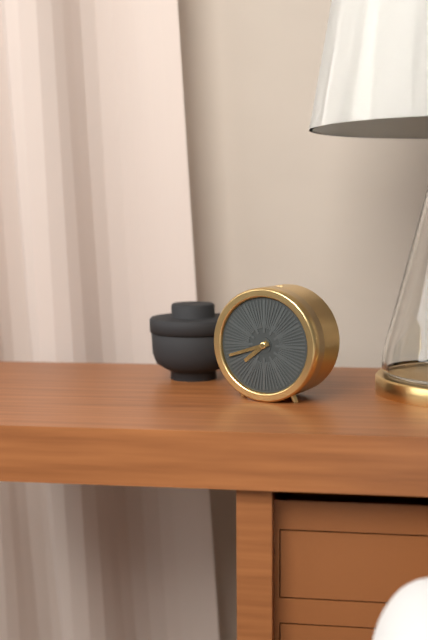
7h42
